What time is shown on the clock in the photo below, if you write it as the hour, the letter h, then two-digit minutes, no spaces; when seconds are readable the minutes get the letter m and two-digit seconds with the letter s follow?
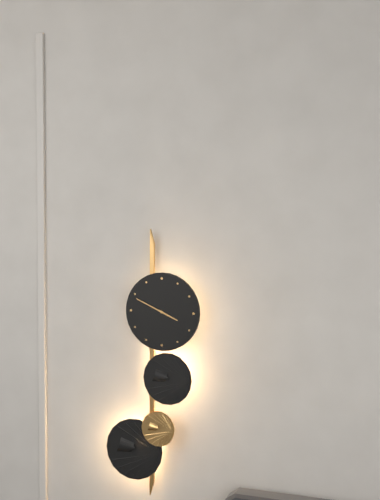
3h49
